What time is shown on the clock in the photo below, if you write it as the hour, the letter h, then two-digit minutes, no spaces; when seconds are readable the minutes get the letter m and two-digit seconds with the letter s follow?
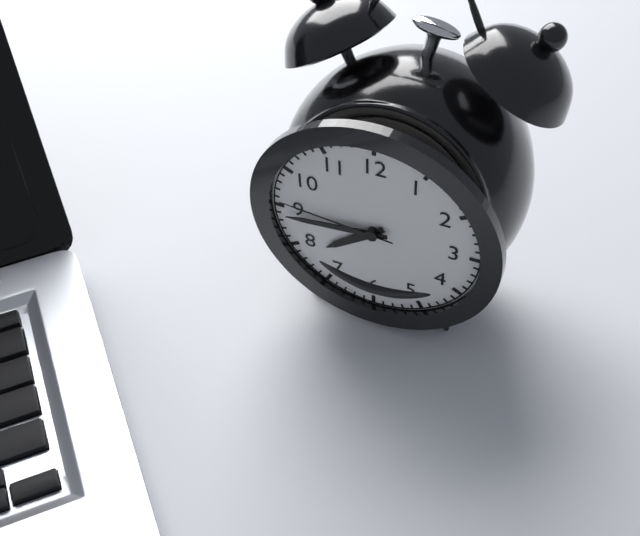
7h44m46s
